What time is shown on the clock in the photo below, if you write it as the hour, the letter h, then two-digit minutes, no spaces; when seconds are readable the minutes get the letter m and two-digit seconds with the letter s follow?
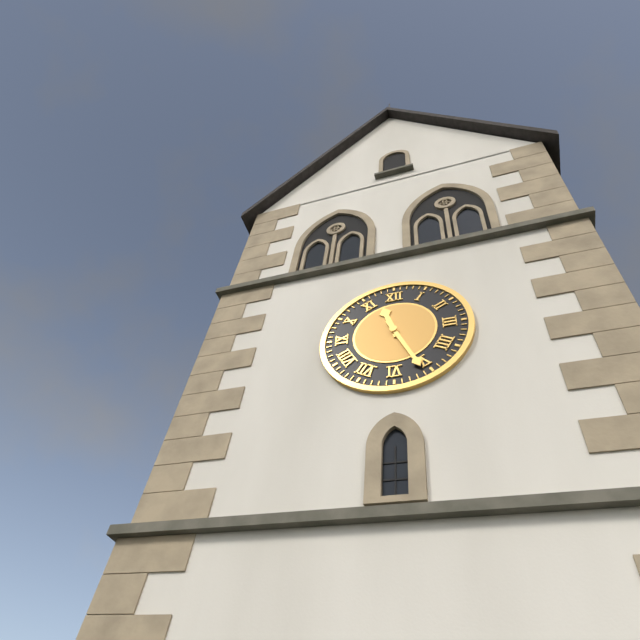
11h26
